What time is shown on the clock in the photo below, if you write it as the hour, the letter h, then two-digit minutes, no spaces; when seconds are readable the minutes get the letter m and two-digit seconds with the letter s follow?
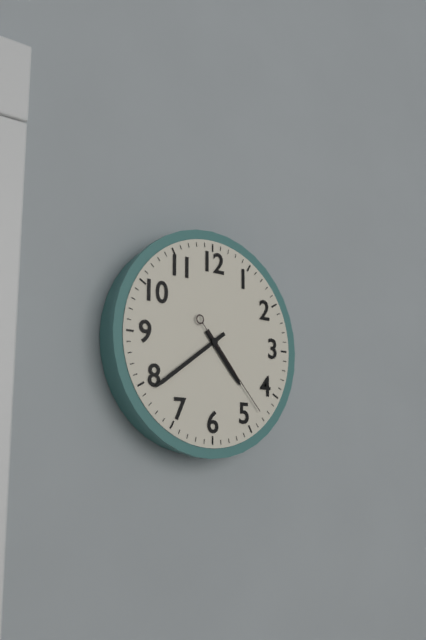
4h39m23s
